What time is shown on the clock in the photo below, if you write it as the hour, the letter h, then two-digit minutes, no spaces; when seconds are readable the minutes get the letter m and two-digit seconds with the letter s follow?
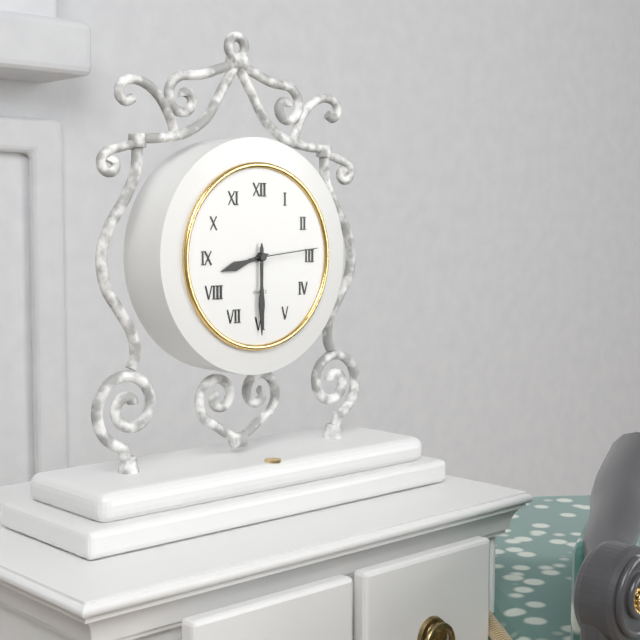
8h30m14s
